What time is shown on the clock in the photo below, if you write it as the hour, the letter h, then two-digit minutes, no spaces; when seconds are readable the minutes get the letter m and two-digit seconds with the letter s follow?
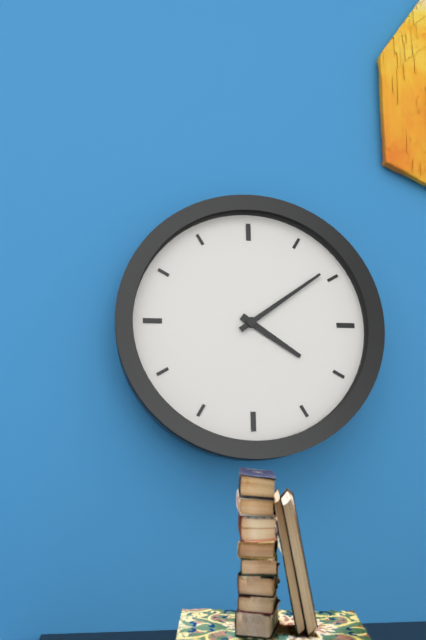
4h09
